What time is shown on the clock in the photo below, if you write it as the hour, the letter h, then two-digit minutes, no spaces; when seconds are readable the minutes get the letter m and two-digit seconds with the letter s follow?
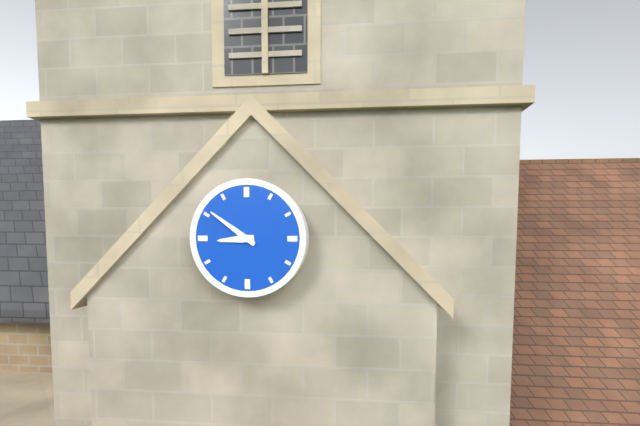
8h51
